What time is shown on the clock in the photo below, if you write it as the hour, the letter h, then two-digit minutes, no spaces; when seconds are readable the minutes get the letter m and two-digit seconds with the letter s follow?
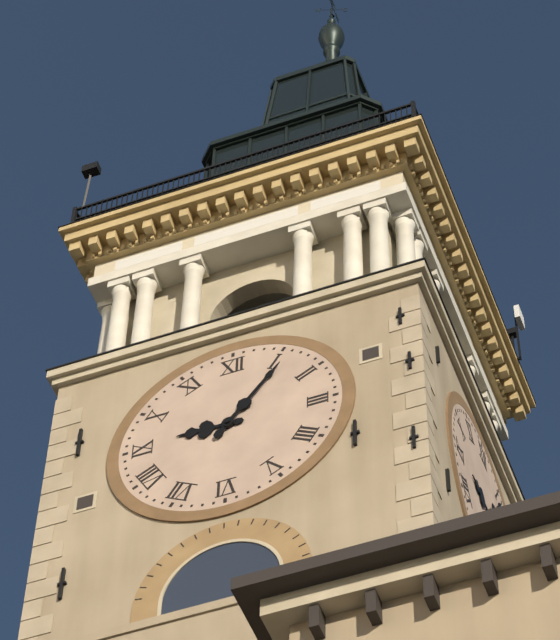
9h06
